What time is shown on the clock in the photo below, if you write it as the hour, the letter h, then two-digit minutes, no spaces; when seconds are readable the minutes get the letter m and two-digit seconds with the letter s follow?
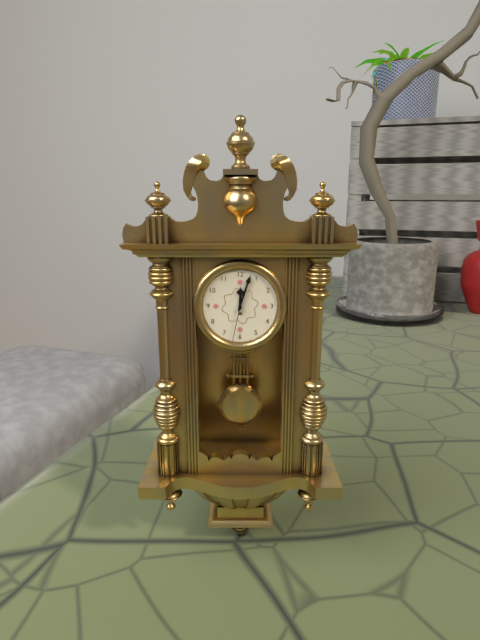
12h03
